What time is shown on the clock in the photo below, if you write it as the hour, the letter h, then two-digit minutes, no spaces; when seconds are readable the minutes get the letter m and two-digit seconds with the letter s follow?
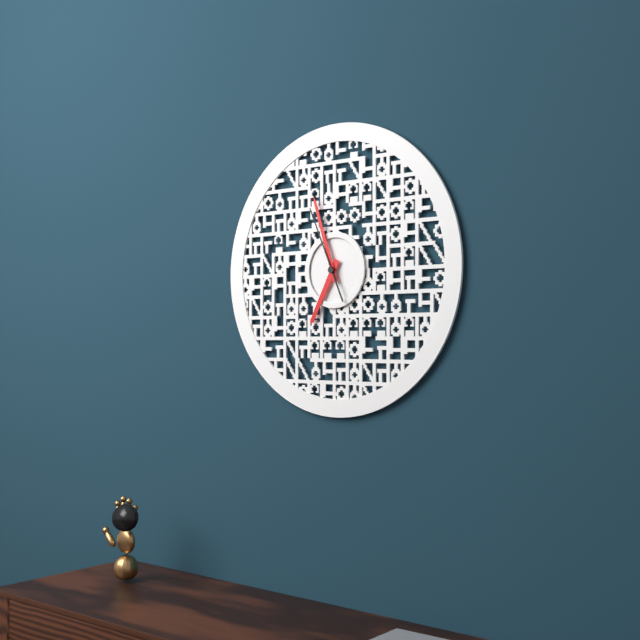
6h57m56s
